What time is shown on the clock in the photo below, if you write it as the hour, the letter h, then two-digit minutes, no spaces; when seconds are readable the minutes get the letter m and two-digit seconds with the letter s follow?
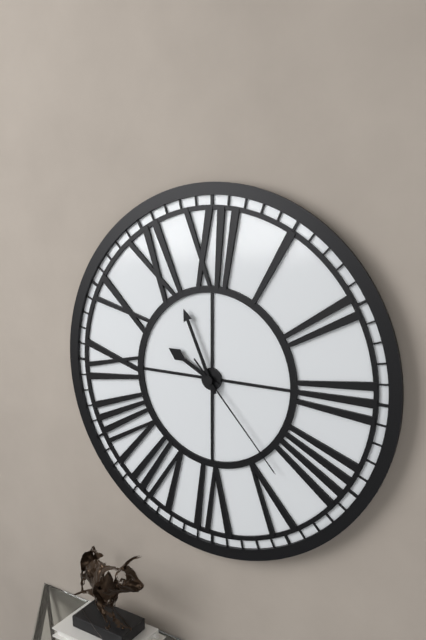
9h56m23s
